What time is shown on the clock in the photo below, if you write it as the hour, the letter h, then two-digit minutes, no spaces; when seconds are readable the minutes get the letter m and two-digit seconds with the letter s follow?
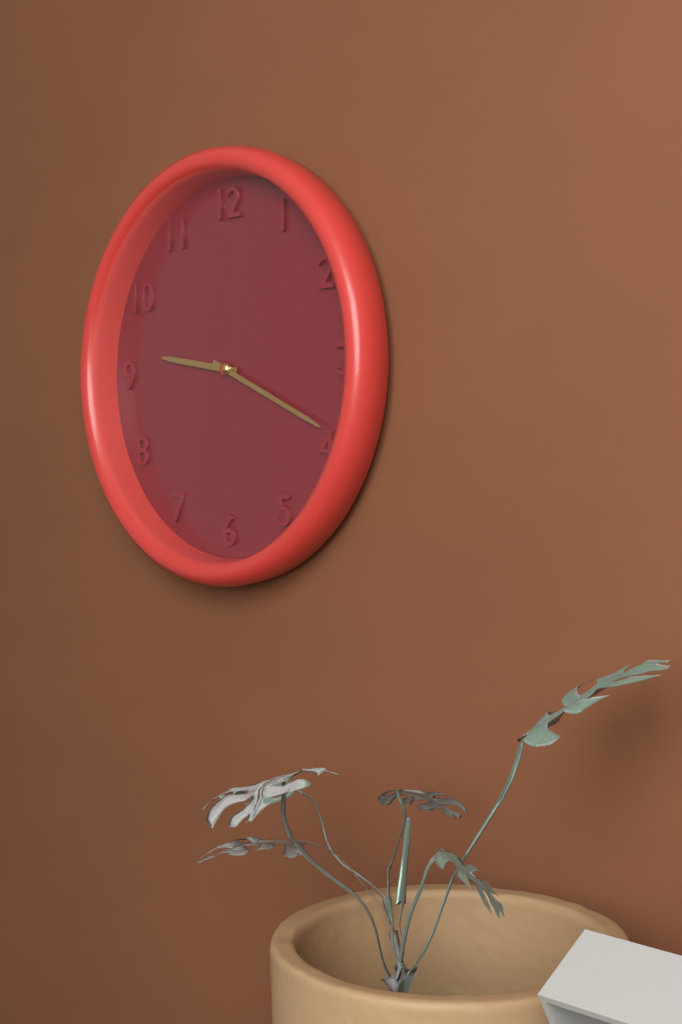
9h19
